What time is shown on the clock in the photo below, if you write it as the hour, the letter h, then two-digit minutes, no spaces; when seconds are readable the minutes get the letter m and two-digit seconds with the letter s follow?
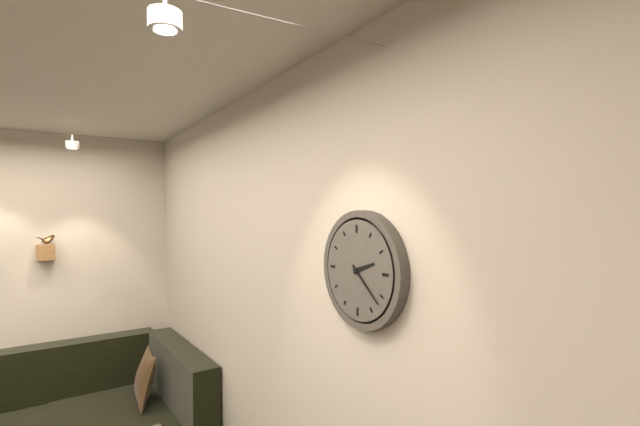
2h22
